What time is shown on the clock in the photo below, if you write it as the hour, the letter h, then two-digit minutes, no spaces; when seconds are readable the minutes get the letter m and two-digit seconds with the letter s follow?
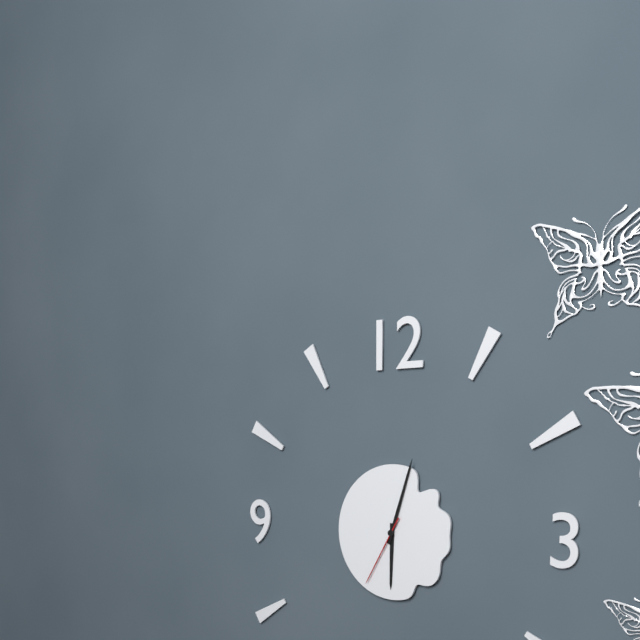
6h03m35s
